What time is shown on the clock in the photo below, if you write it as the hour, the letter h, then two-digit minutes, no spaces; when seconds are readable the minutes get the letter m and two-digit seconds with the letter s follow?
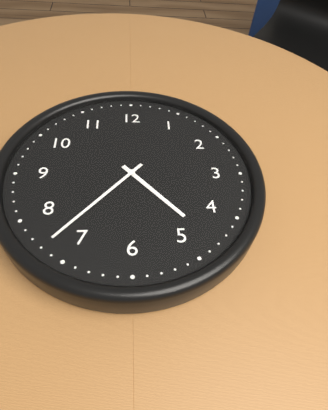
4h37
